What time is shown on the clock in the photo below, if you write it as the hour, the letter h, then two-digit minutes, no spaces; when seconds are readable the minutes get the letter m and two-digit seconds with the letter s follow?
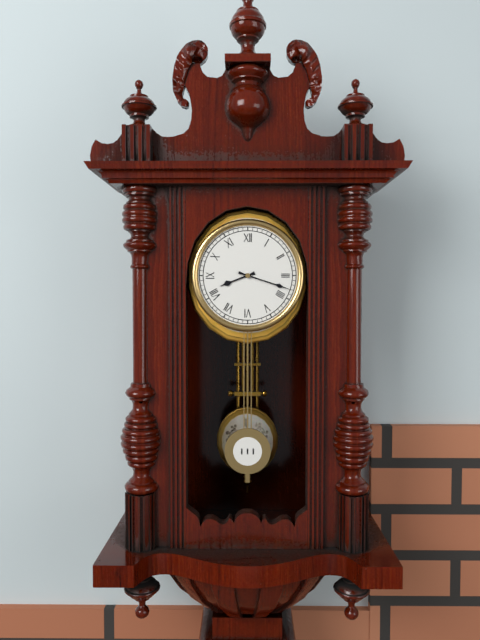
8h18
